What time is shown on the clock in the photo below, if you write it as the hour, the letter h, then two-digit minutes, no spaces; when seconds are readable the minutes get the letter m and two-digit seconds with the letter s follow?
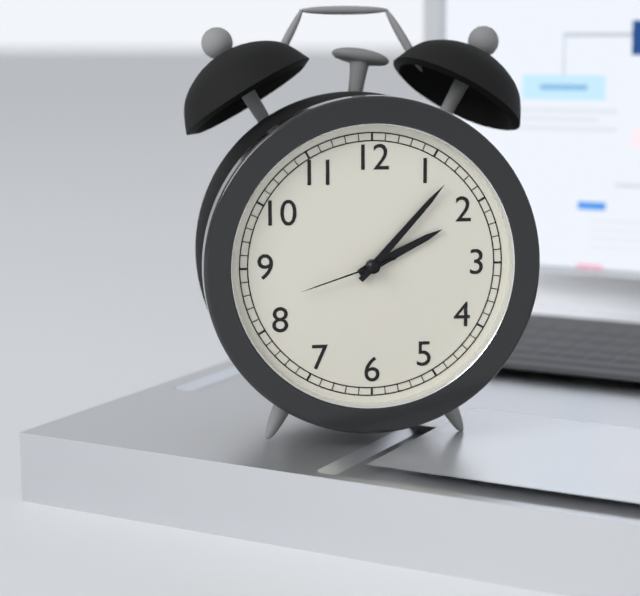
2h07m42s
